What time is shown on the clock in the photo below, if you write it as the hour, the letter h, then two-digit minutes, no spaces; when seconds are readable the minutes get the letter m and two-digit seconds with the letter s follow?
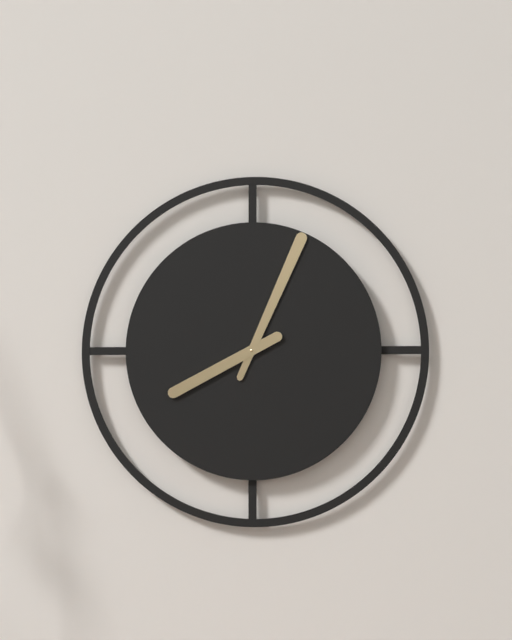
8h04
